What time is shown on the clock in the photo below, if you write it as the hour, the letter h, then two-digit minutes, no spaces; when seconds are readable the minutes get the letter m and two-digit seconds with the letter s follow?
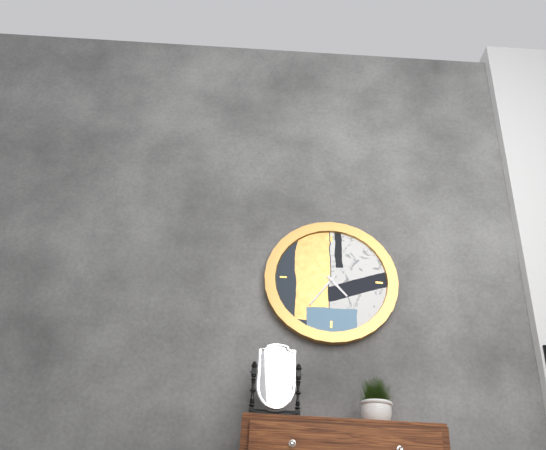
4h36
